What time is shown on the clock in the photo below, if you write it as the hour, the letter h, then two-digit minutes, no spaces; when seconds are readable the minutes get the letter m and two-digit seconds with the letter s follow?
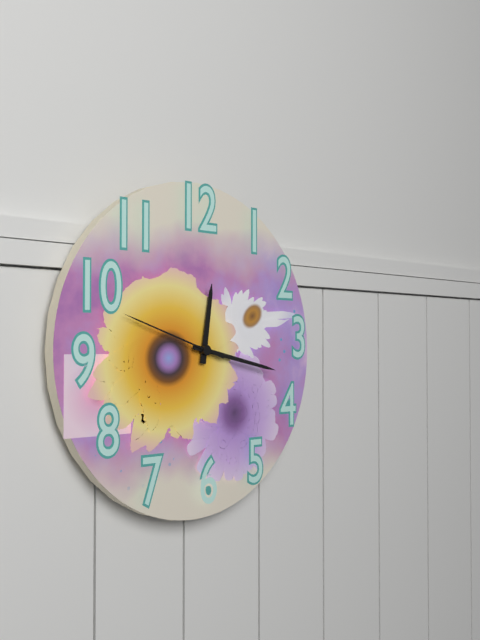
12h17m48s
